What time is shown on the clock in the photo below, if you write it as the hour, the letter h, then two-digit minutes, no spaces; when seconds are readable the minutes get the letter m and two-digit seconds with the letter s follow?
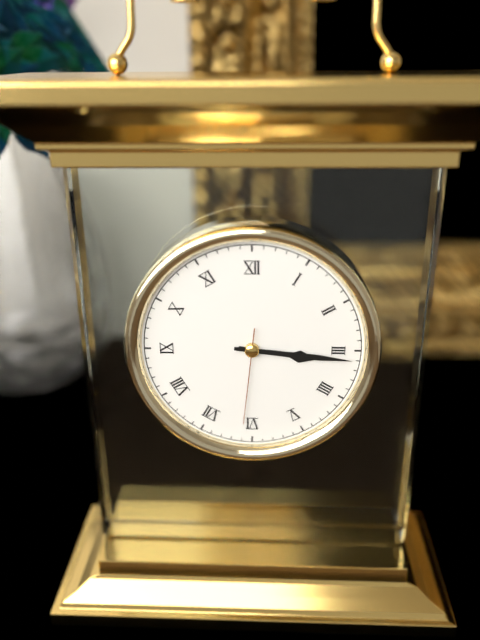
3h16m31s
